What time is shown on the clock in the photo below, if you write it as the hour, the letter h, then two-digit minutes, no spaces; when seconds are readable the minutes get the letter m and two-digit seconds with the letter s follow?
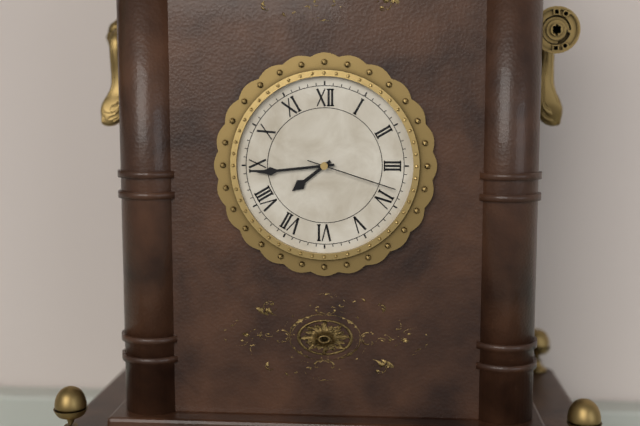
7h44m18s
